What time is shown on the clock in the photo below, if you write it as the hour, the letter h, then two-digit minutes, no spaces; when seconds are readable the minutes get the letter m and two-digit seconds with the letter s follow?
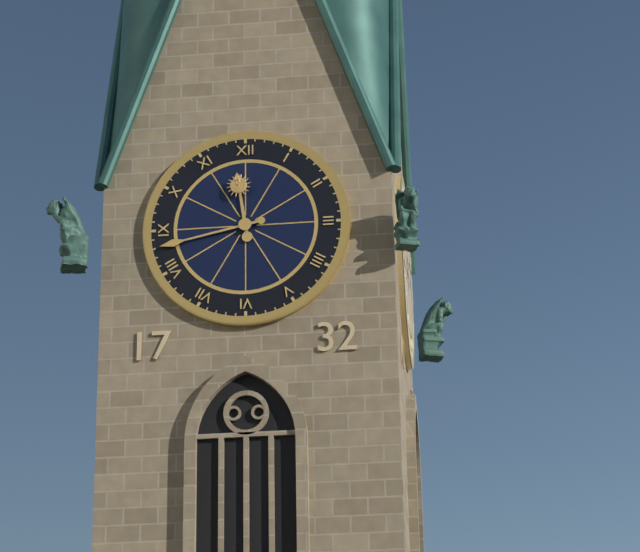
11h43
